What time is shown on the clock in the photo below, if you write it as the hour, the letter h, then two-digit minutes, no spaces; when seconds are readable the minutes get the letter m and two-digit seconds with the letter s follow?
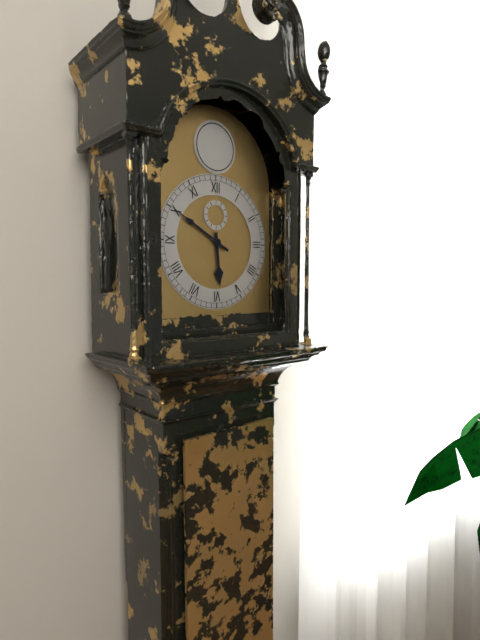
5h50
